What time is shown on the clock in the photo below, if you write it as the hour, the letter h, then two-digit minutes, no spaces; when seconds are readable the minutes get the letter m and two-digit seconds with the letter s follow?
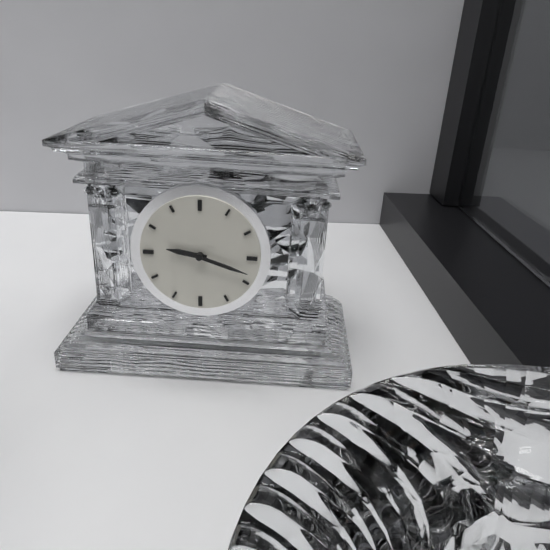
9h18
